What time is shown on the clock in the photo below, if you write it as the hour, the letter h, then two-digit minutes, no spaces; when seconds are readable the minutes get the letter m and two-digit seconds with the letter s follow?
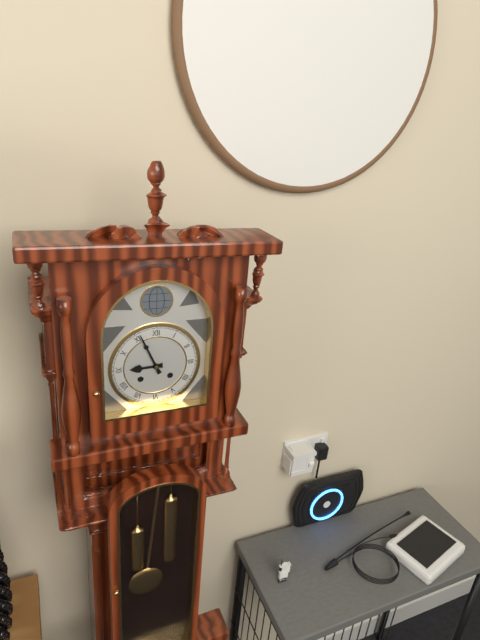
8h56
